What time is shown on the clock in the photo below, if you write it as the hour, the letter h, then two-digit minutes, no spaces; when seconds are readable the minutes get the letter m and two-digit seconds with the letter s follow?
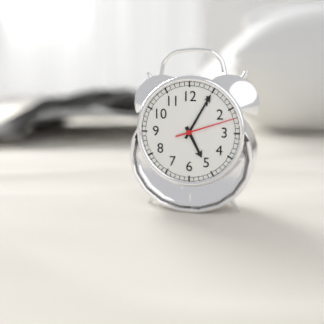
5h05m12s
